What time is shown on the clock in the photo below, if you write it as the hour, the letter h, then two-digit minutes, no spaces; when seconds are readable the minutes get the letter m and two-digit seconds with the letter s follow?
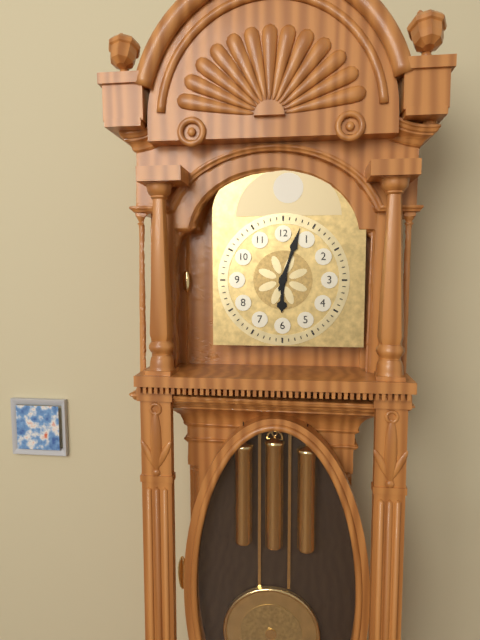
6h03
